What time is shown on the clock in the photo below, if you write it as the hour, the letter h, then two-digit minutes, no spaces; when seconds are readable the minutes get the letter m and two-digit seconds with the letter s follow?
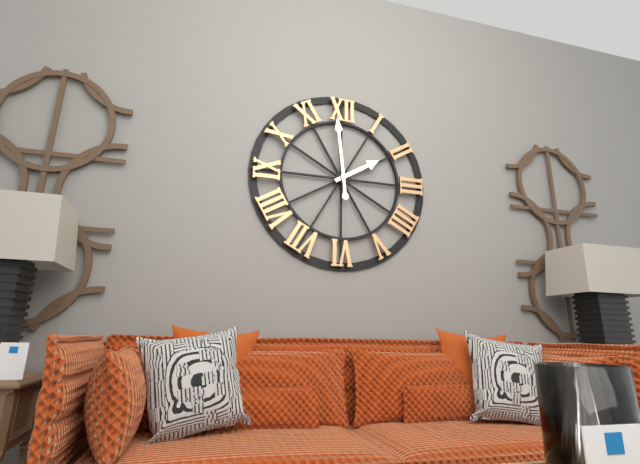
1h59
